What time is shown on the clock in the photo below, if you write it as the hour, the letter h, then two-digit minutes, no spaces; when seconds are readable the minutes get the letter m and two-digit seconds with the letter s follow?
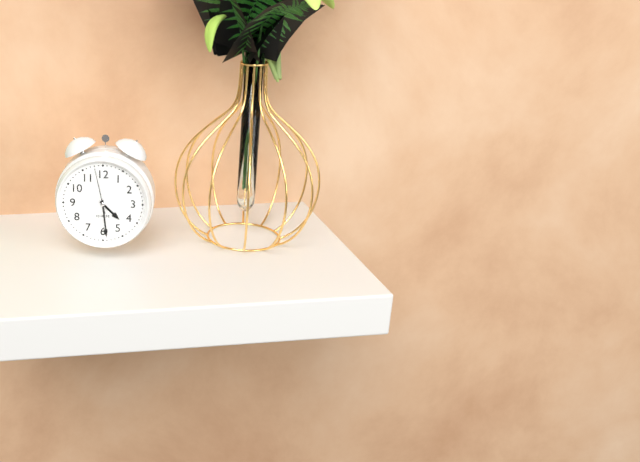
4h29
